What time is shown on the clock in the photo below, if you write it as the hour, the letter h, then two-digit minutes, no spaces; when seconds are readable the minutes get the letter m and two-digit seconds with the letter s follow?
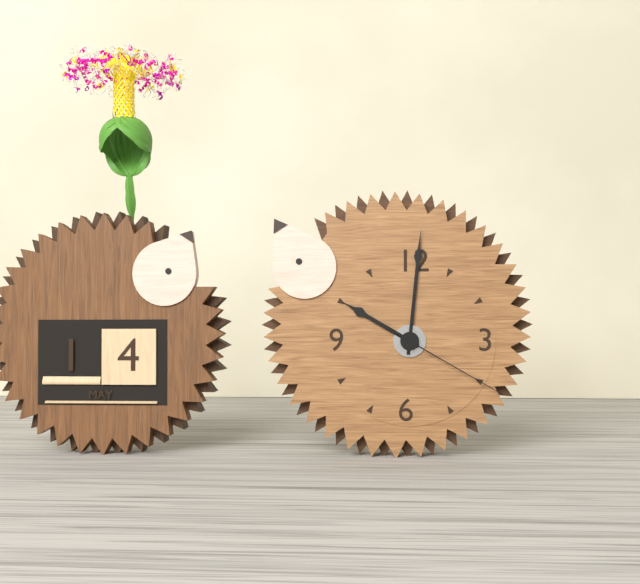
10h01m20s
